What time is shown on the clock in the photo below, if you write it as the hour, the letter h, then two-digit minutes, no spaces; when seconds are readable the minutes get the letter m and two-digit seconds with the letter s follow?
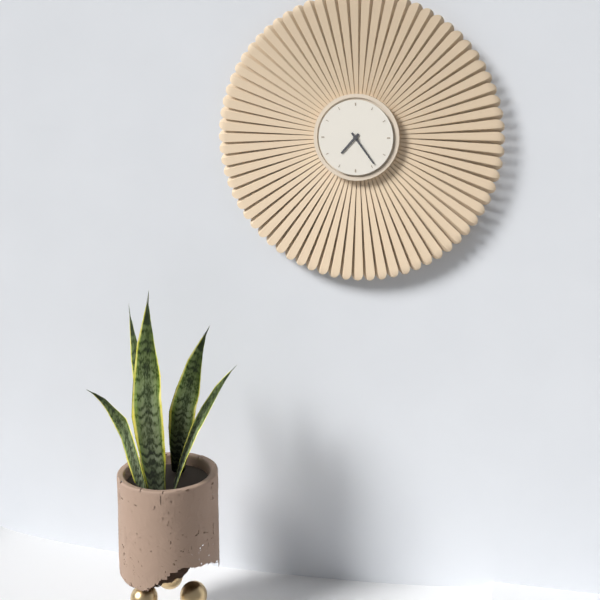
7h24
